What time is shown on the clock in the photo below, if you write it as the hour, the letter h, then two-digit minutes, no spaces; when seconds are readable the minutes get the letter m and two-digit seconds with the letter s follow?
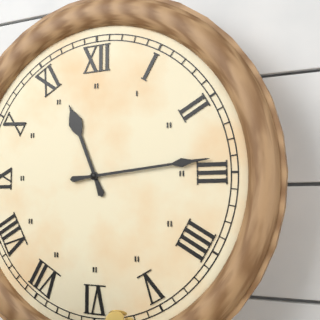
11h14
